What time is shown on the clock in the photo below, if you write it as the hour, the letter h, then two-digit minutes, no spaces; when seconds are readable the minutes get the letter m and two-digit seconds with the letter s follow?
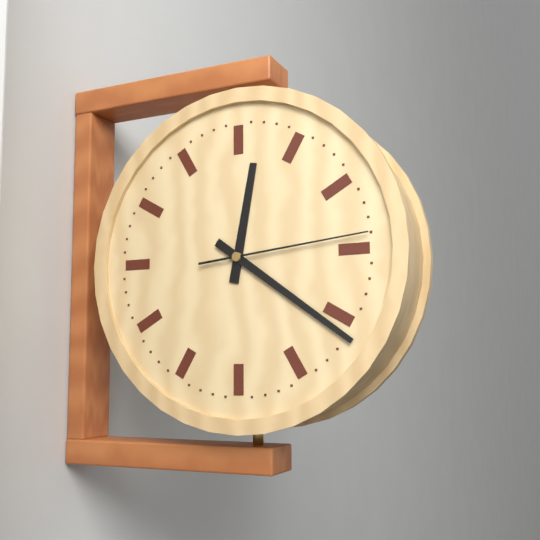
12h21m14s
